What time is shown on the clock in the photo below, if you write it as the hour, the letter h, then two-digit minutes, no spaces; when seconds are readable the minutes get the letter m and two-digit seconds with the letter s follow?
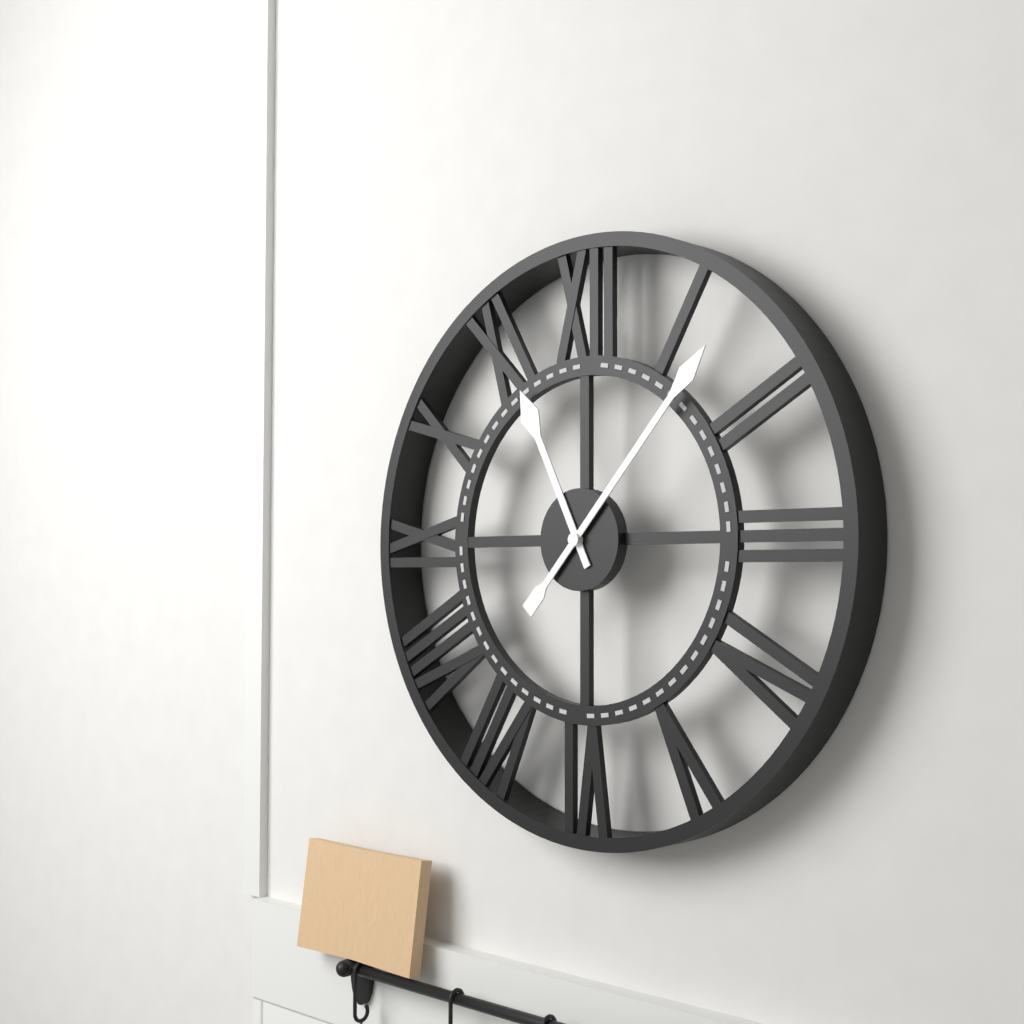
11h07
